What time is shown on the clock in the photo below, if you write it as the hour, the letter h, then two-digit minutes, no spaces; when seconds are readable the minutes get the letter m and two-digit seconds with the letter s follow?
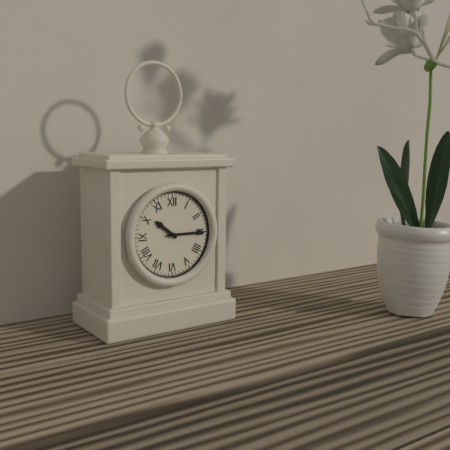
10h15
